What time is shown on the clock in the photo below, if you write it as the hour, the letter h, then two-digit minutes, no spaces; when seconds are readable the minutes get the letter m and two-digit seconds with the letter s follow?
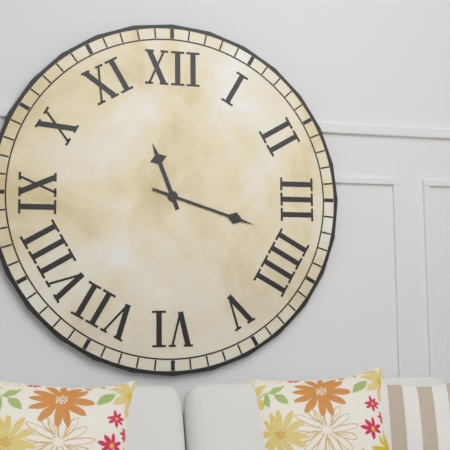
11h18
